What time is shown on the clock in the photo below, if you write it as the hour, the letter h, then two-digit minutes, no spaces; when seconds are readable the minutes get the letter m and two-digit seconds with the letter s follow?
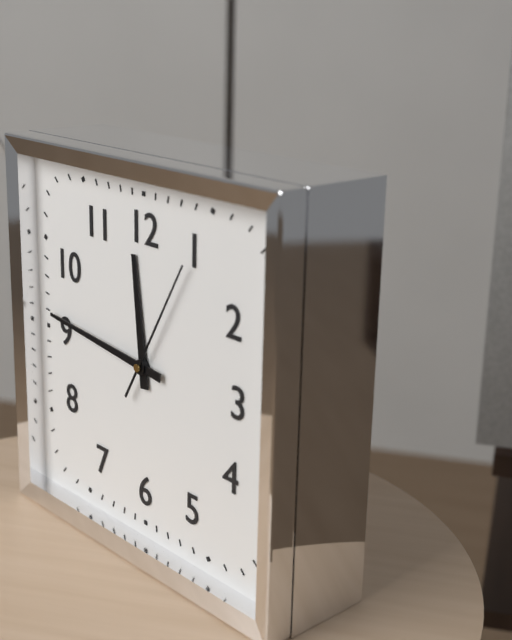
11h46m05s
